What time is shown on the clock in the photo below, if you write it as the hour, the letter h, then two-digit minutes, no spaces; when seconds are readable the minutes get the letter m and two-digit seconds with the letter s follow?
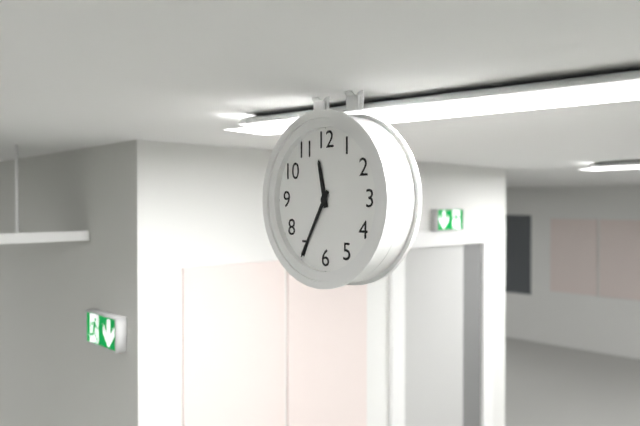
11h35
